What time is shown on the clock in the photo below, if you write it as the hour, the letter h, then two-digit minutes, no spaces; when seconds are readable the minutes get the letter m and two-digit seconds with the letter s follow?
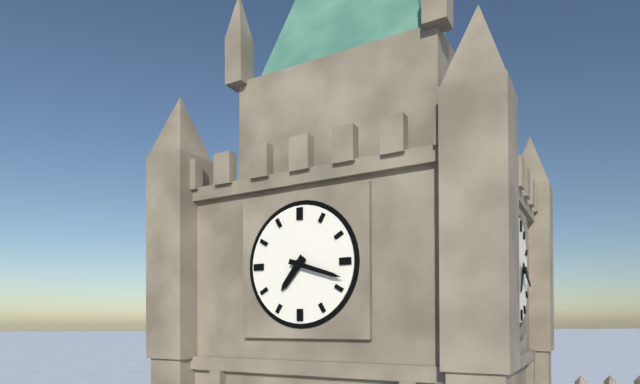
7h18
